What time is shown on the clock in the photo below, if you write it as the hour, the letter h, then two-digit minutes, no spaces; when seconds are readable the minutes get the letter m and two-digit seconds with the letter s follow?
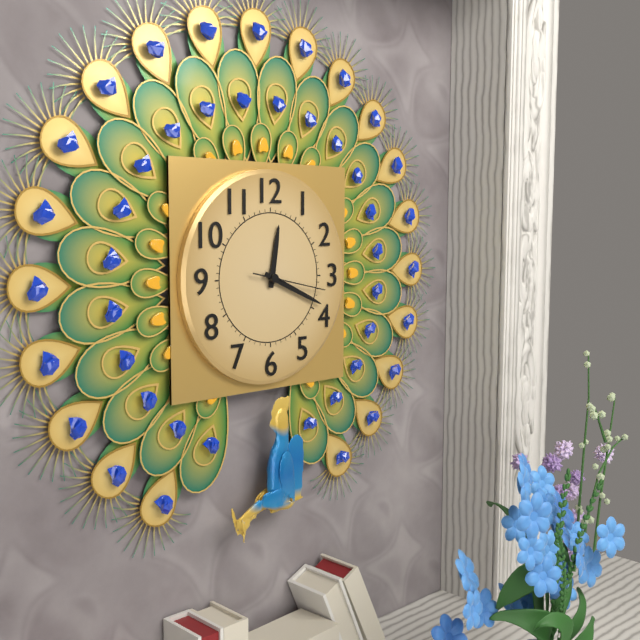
12h19m17s
